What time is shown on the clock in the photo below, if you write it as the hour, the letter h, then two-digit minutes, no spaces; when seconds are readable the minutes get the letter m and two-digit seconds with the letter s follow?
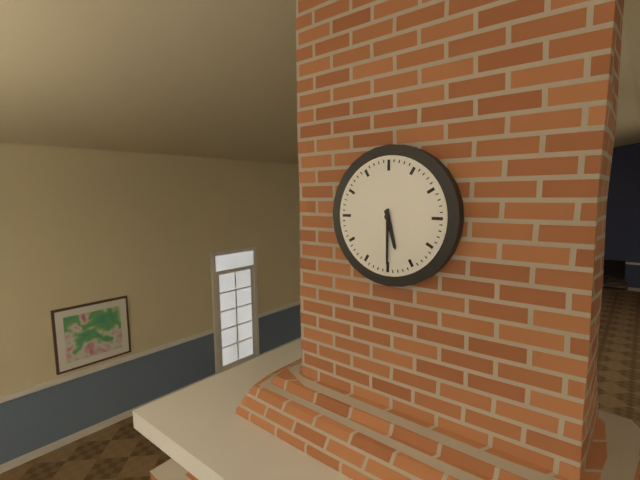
5h30
